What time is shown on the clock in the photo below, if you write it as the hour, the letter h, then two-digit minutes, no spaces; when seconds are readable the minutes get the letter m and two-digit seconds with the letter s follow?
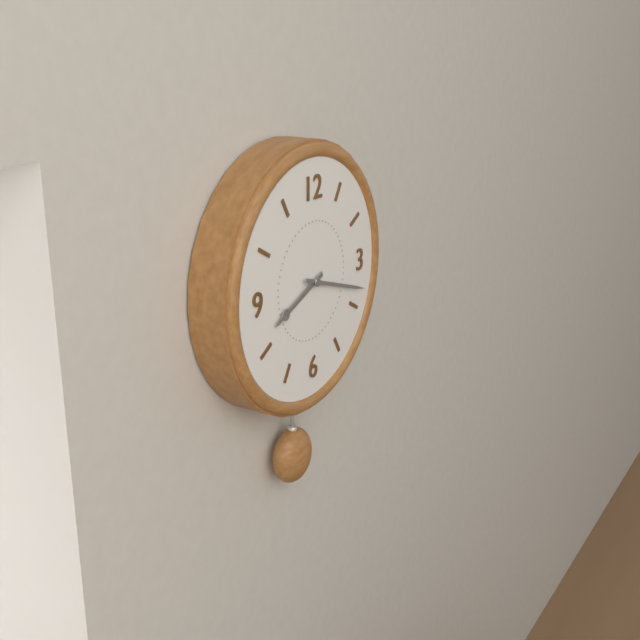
8h18
